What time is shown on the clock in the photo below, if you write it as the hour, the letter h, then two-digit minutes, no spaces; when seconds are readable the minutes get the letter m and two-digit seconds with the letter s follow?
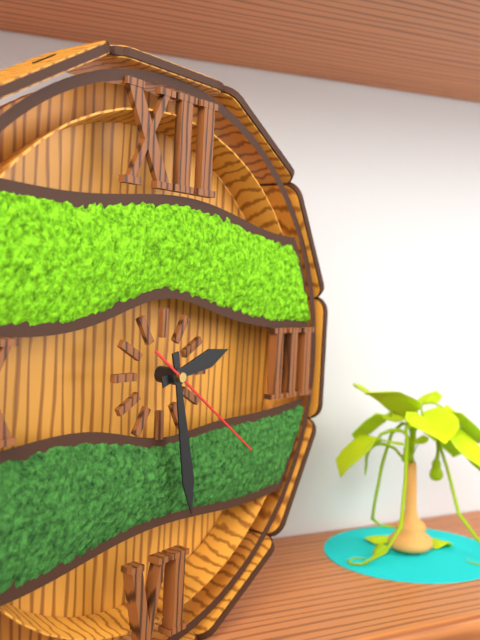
2h28m21s
